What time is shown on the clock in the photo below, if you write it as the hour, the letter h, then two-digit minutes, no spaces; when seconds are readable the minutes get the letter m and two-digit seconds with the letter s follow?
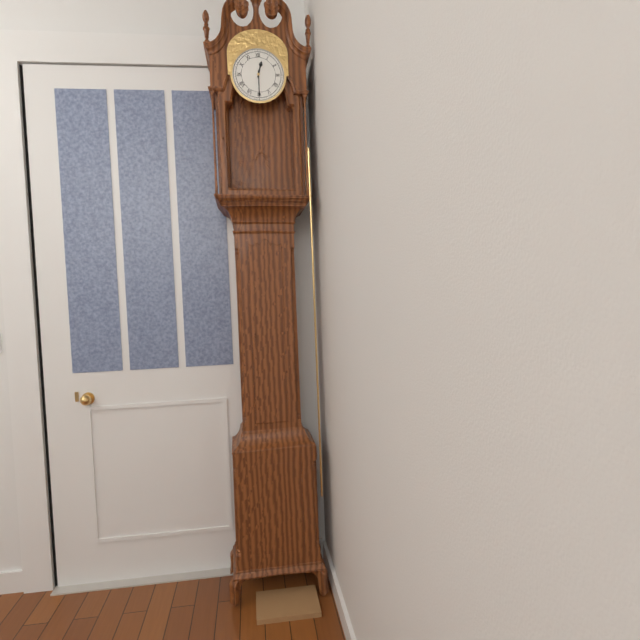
12h30
